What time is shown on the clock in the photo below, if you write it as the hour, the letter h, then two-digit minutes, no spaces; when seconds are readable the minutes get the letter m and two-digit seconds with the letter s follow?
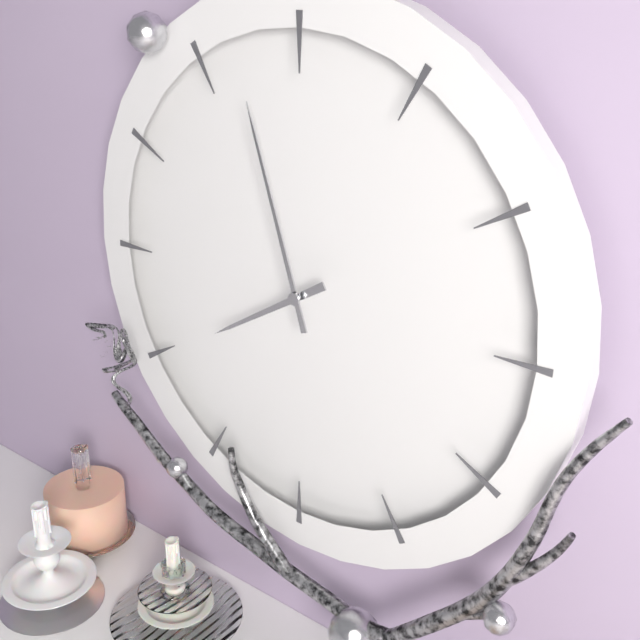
7h57
